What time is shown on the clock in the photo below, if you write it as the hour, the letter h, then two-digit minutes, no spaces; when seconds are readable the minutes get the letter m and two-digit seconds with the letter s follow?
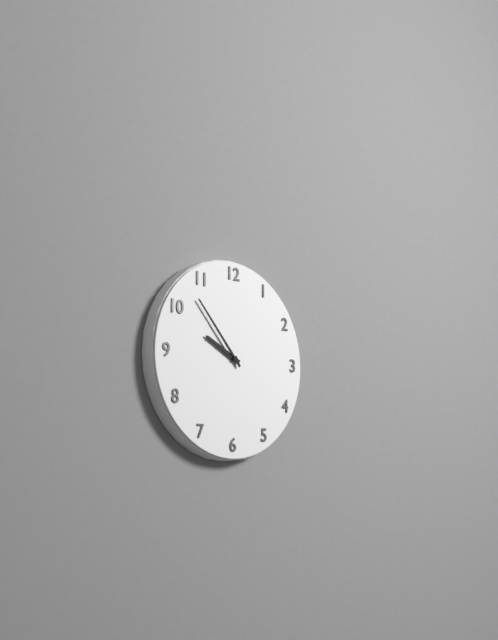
9h53
